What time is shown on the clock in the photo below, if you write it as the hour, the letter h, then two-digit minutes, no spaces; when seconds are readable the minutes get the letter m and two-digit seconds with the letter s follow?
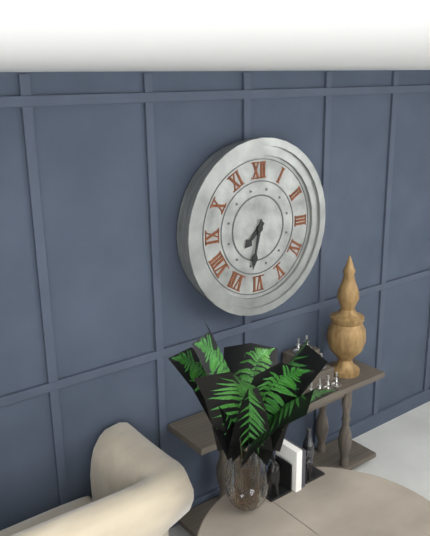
7h32
